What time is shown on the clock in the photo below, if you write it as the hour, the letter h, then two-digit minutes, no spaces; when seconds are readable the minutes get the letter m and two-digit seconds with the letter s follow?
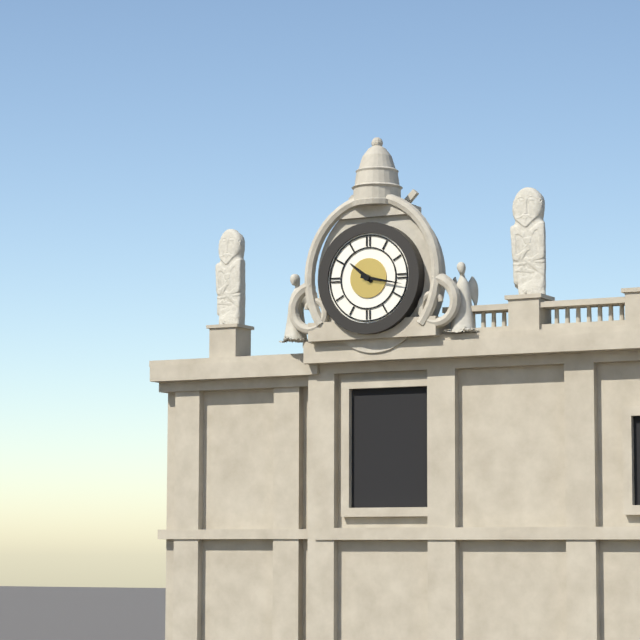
10h17
